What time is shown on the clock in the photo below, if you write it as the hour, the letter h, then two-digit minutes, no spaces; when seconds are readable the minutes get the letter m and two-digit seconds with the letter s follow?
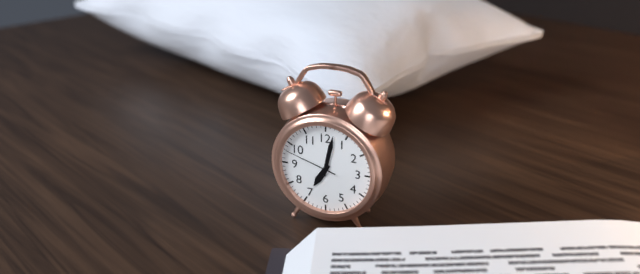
7h02m48s
